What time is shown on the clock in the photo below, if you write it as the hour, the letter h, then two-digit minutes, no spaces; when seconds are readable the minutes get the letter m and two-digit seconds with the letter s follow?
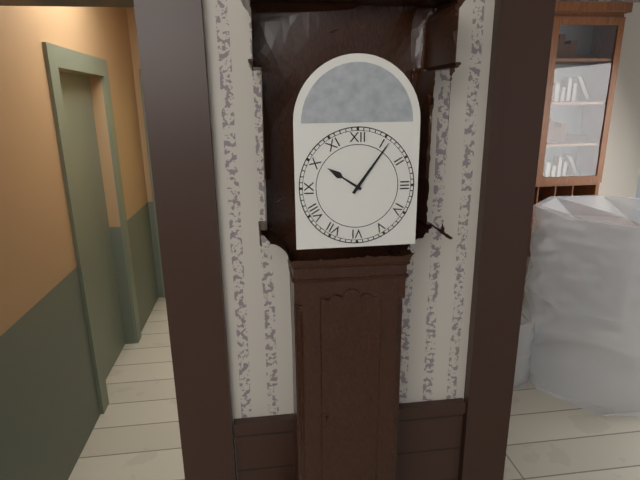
10h06
